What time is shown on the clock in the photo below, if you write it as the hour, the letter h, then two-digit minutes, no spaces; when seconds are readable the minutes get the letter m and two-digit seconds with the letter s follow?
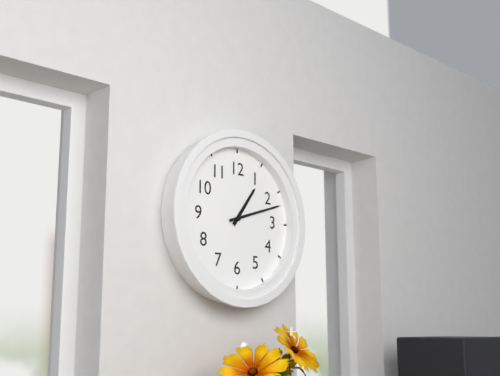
1h12
